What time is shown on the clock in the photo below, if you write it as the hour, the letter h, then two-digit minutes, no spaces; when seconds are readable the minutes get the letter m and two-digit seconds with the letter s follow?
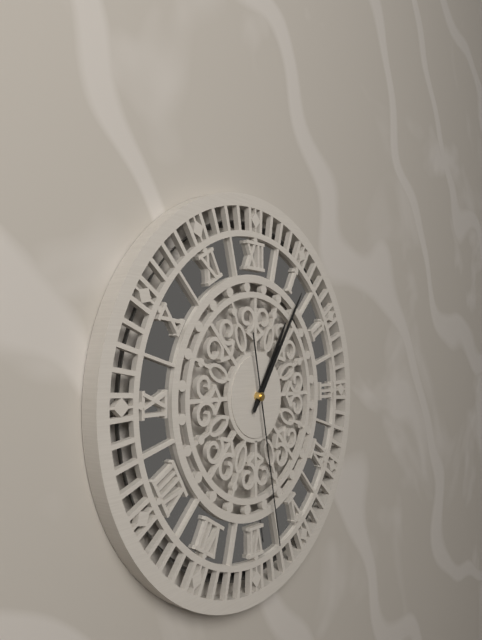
1h06m28s
